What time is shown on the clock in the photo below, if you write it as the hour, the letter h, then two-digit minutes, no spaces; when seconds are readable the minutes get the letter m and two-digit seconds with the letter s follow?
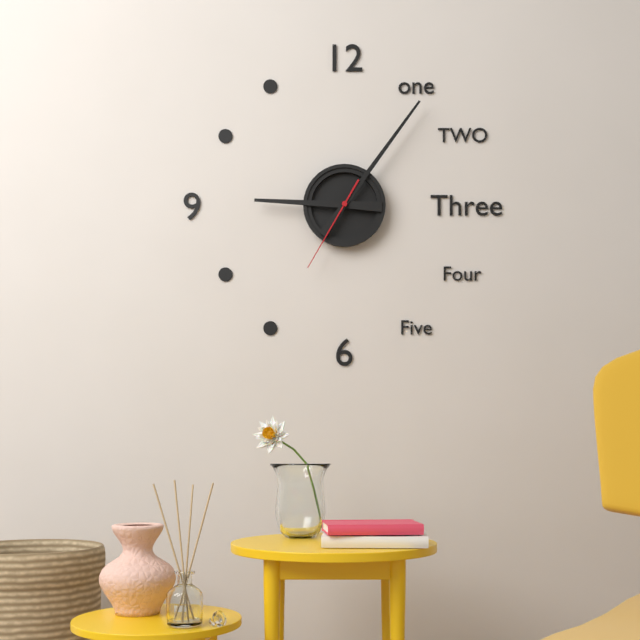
9h06m35s
